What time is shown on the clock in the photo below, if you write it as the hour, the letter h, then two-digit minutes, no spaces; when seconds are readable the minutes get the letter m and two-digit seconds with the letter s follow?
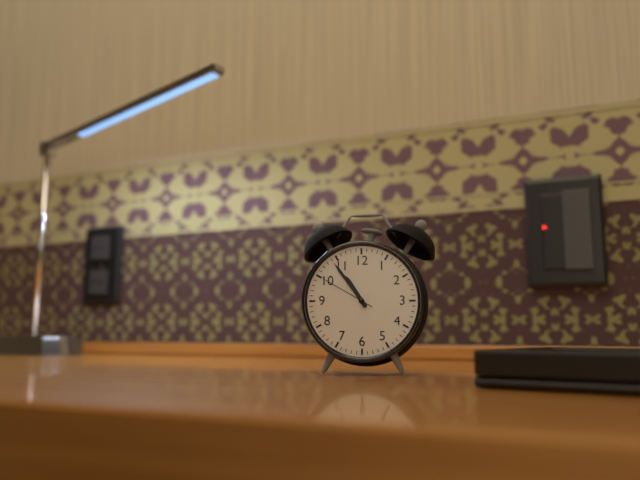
10h54m50s
